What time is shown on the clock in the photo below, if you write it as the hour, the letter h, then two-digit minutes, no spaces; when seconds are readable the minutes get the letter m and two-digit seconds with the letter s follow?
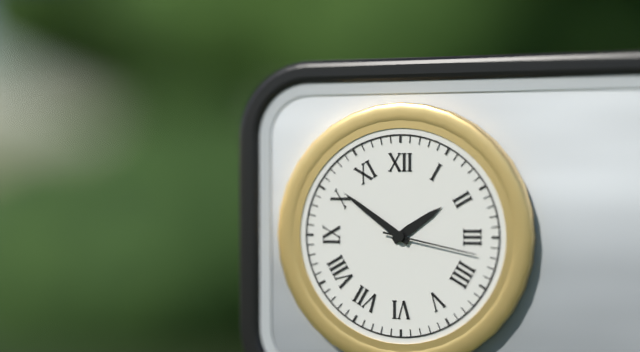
1h51m17s
